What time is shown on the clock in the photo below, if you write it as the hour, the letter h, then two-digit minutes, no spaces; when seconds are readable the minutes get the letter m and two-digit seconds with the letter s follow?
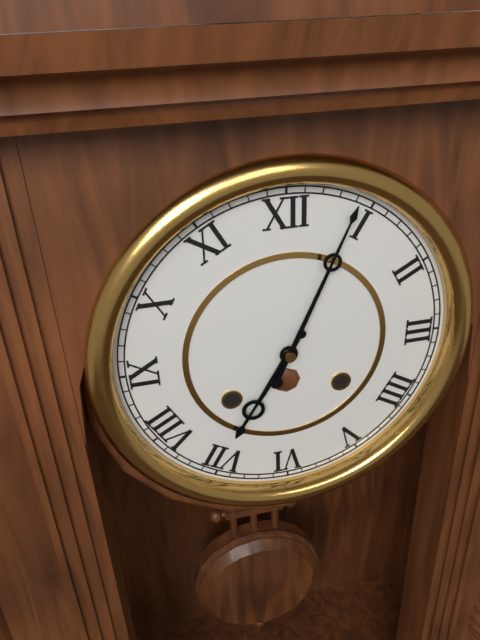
7h04
